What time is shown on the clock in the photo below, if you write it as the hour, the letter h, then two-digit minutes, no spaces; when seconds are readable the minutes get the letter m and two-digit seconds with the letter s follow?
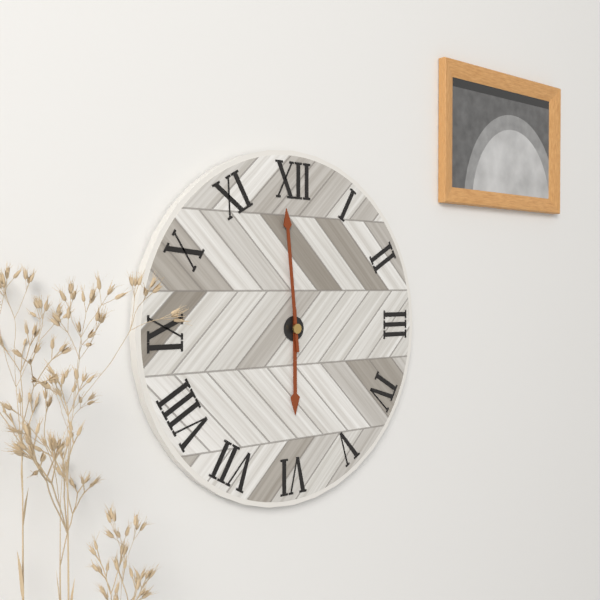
5h59
